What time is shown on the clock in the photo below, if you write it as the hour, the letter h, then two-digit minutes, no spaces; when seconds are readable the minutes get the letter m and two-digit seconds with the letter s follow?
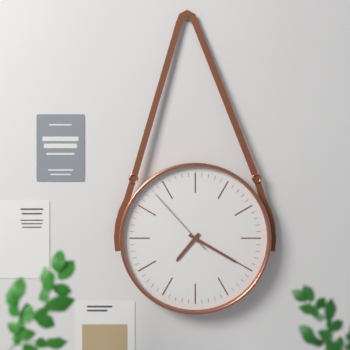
7h20m53s
